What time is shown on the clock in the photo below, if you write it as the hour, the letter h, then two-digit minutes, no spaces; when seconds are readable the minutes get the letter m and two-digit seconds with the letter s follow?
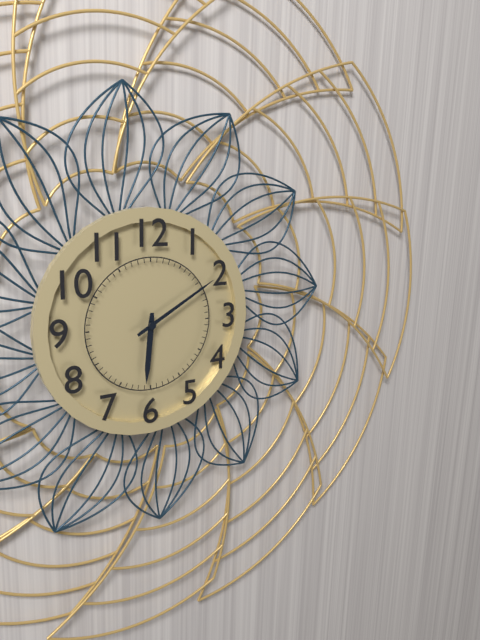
6h10
